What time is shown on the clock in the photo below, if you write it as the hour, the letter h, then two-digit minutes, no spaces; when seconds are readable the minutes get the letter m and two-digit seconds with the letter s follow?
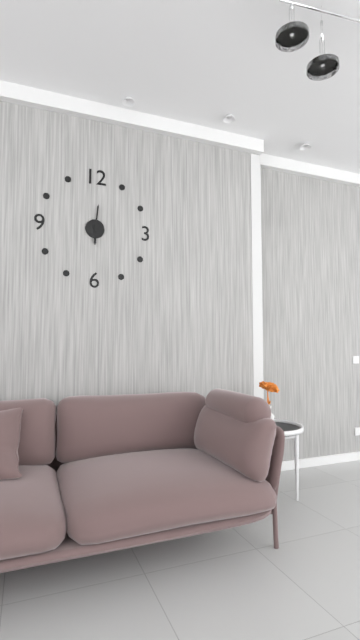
6h01
